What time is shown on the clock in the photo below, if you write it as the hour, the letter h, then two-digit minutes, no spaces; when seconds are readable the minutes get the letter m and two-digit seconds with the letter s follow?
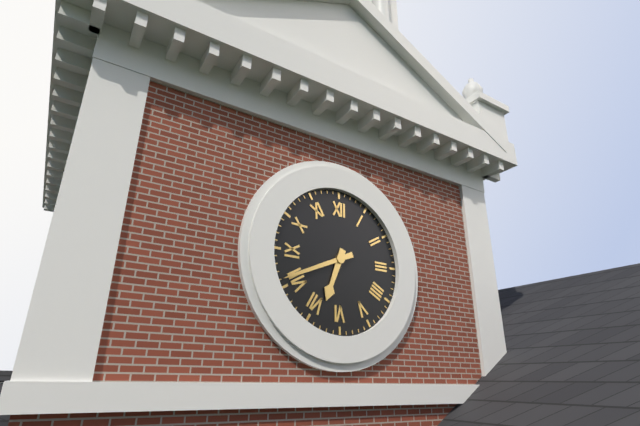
6h41
